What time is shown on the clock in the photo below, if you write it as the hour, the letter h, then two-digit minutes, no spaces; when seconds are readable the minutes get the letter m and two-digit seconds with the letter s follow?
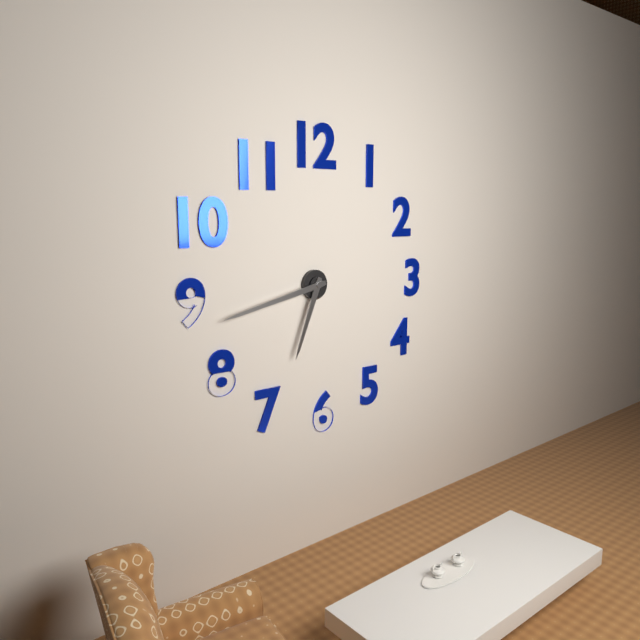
6h43
